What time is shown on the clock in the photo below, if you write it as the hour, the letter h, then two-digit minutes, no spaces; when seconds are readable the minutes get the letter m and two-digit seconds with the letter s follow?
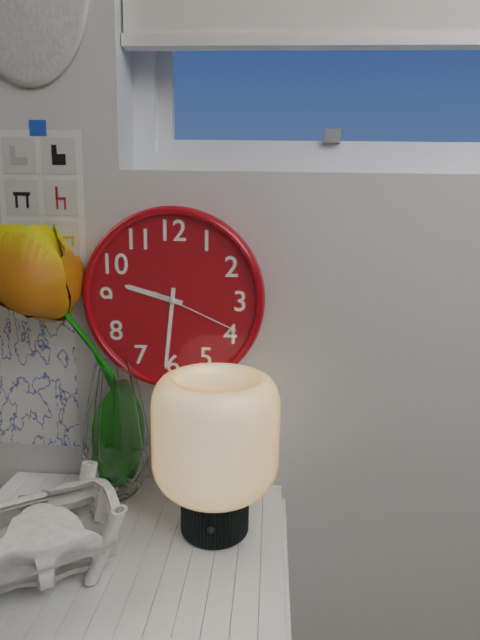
9h31m19s
